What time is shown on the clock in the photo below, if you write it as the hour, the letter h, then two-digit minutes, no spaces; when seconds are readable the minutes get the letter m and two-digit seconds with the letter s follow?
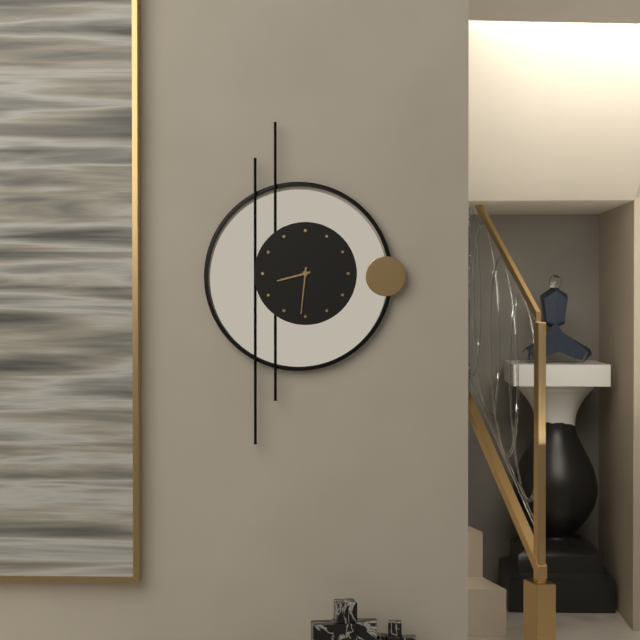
8h31
